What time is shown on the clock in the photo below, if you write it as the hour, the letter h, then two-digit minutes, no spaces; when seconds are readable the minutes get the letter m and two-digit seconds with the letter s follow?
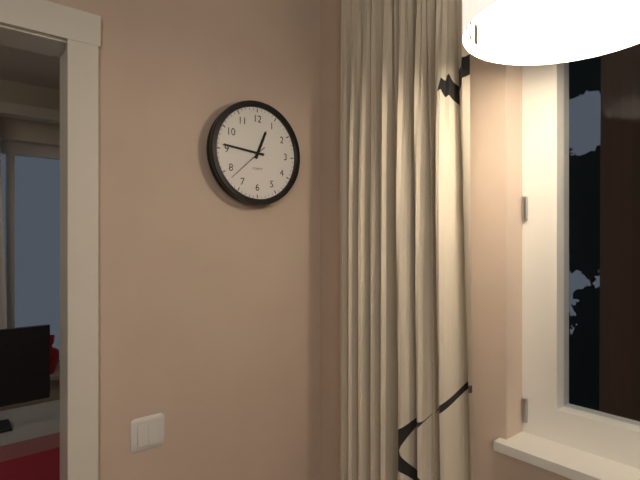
12h46
